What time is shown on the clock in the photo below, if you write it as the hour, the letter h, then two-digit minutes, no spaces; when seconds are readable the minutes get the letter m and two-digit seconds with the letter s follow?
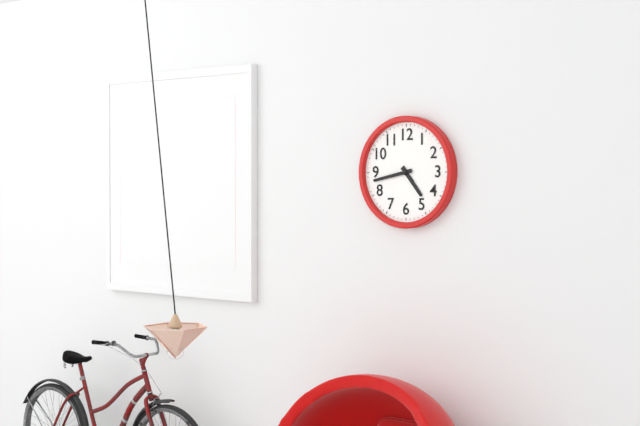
4h43
